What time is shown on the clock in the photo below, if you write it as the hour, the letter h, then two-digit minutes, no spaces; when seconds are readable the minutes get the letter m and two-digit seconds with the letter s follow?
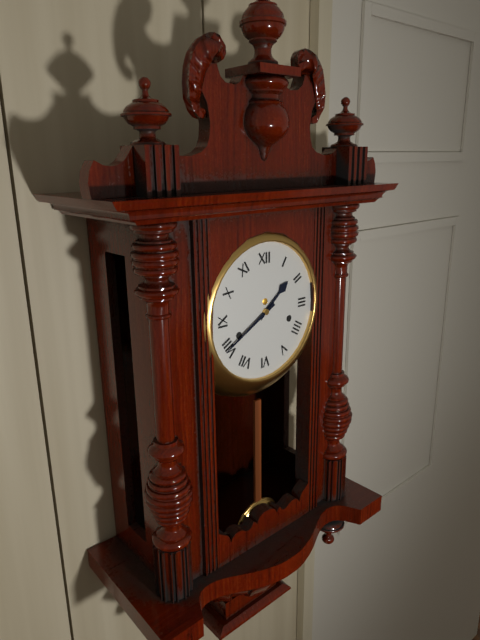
1h40
